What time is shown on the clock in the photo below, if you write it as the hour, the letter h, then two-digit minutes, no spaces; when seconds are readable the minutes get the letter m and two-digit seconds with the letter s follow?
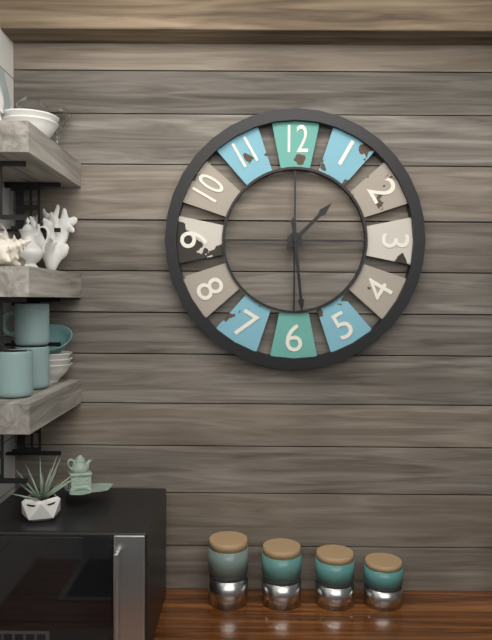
1h29
